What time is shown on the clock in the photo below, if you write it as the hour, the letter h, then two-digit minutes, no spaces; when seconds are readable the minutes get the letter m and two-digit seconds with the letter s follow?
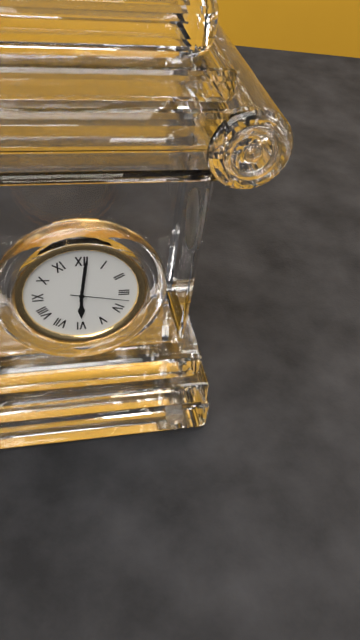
6h01m17s
